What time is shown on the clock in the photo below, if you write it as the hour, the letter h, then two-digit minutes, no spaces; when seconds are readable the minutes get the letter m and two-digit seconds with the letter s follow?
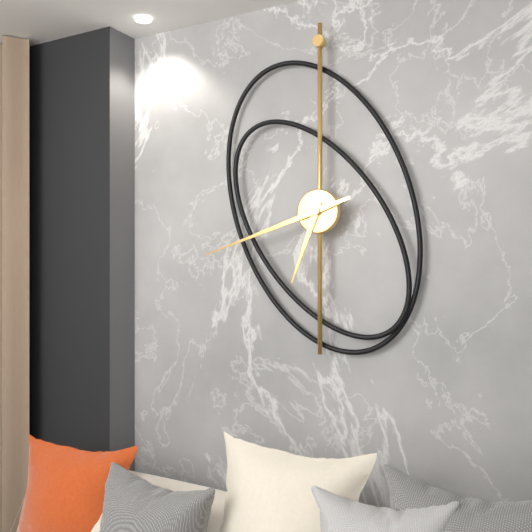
6h42
